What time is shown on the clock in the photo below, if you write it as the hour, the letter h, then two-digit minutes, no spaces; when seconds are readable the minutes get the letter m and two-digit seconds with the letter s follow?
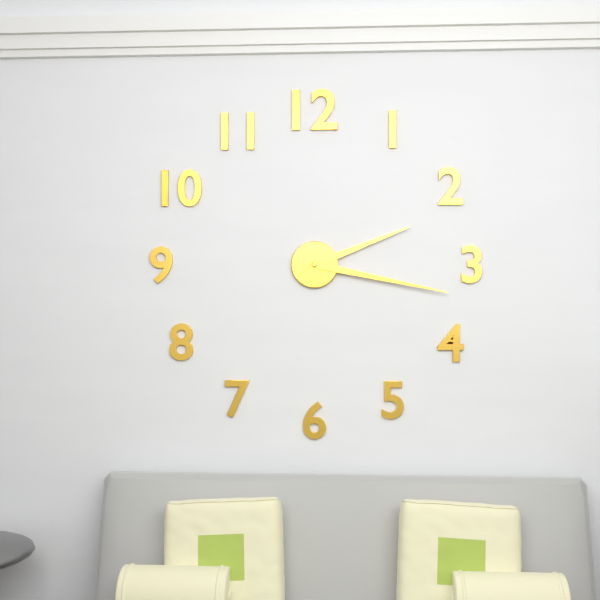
2h17
